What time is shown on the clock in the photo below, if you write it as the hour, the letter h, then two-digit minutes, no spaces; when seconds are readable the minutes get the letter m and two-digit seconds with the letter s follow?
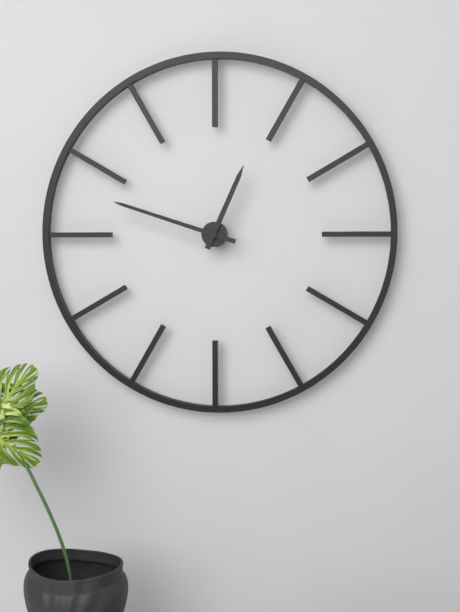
12h48
